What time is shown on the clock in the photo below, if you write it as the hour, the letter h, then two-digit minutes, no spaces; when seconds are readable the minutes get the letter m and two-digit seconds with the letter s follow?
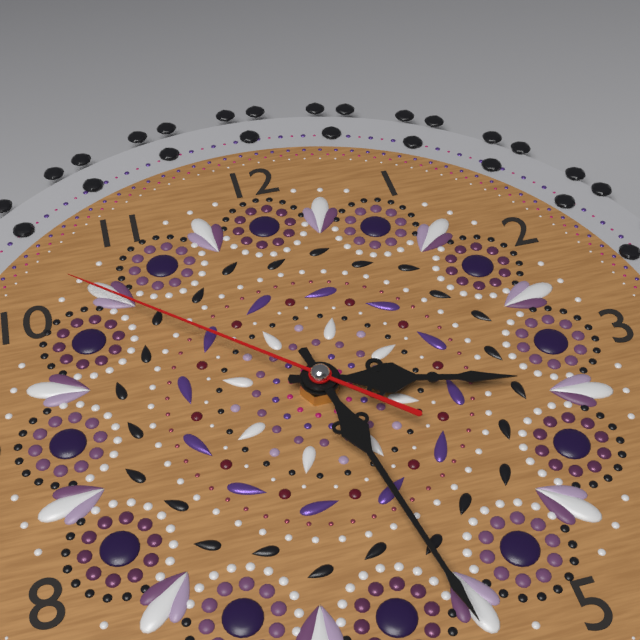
3h28m52s
